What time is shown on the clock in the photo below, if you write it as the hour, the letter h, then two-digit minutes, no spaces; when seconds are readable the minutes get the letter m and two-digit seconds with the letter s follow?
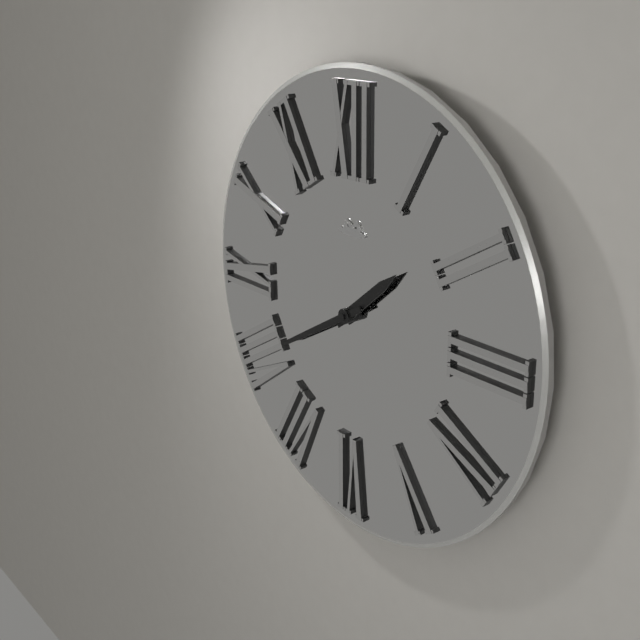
1h40
